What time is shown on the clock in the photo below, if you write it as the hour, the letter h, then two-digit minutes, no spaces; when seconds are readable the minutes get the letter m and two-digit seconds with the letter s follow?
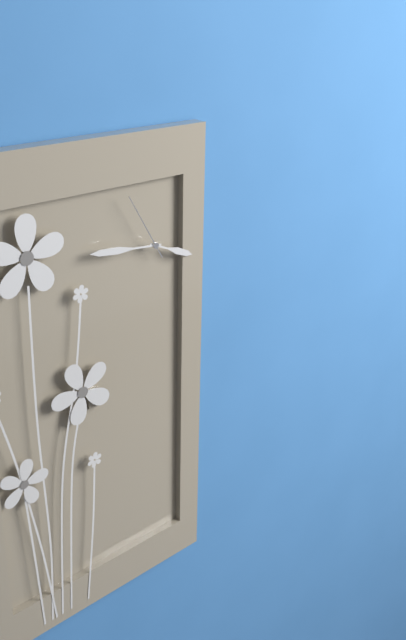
3h46m55s
